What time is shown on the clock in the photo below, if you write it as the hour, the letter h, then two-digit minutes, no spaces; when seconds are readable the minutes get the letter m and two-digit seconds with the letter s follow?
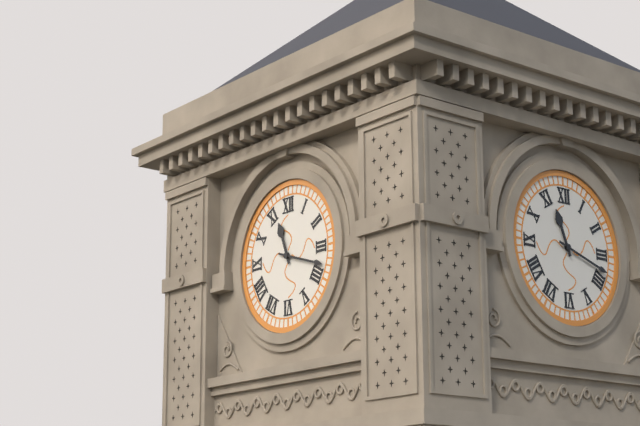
11h18
